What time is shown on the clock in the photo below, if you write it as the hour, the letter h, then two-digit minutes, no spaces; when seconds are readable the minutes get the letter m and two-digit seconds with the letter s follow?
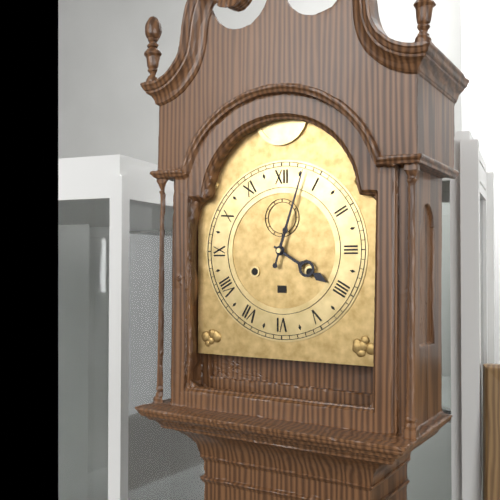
4h03
